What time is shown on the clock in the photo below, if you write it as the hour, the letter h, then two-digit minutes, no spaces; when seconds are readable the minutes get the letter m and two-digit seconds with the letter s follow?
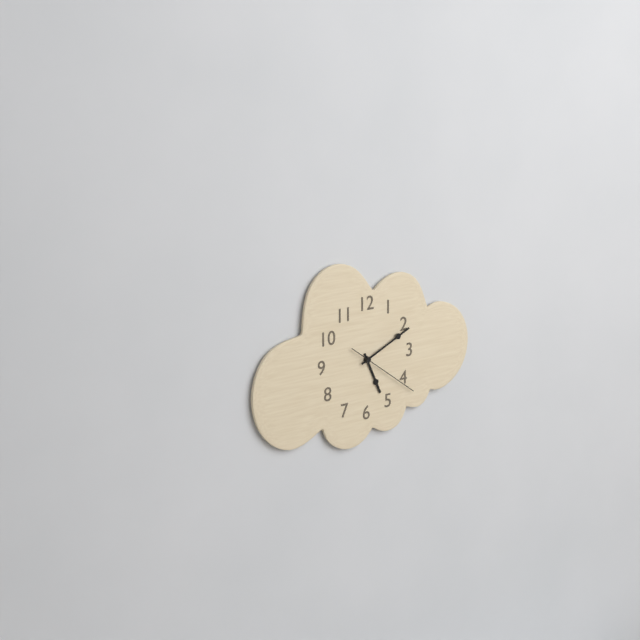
5h11m21s
